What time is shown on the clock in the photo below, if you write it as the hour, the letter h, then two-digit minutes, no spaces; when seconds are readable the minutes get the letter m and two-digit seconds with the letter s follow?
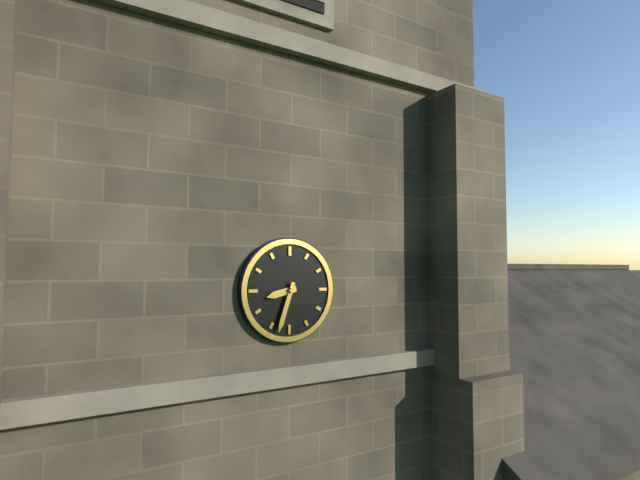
8h33
